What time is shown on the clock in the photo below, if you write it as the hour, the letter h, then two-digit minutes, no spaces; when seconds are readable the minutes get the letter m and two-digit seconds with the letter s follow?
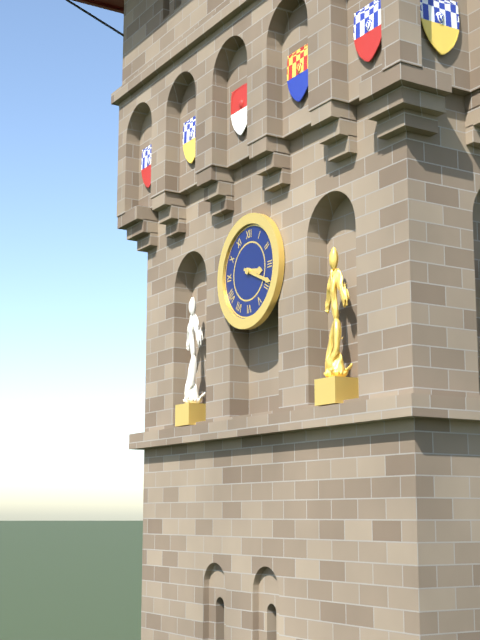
3h19
